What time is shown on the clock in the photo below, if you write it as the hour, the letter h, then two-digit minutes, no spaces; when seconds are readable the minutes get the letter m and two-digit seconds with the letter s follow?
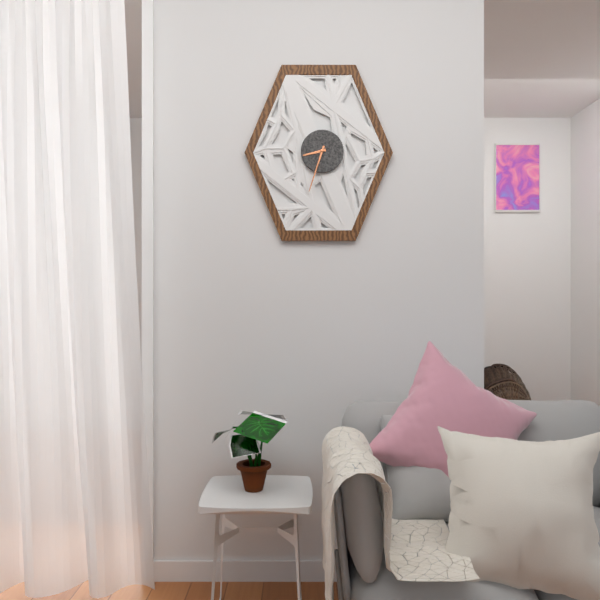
8h33
